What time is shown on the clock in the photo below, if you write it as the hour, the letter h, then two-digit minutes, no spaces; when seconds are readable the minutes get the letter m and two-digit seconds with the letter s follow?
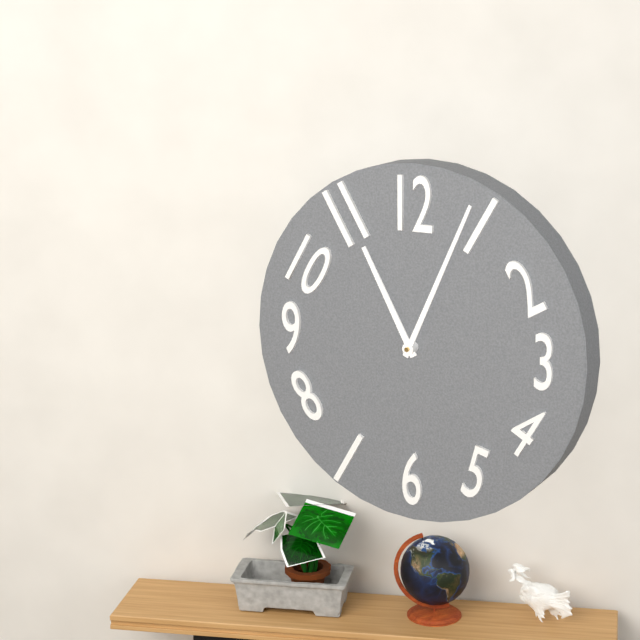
11h04
